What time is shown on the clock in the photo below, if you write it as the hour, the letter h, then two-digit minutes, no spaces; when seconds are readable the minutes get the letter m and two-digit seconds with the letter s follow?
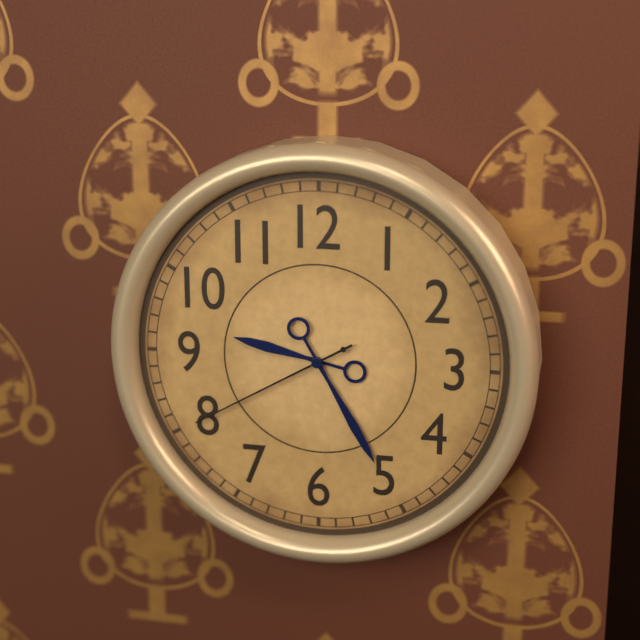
9h25m40s
